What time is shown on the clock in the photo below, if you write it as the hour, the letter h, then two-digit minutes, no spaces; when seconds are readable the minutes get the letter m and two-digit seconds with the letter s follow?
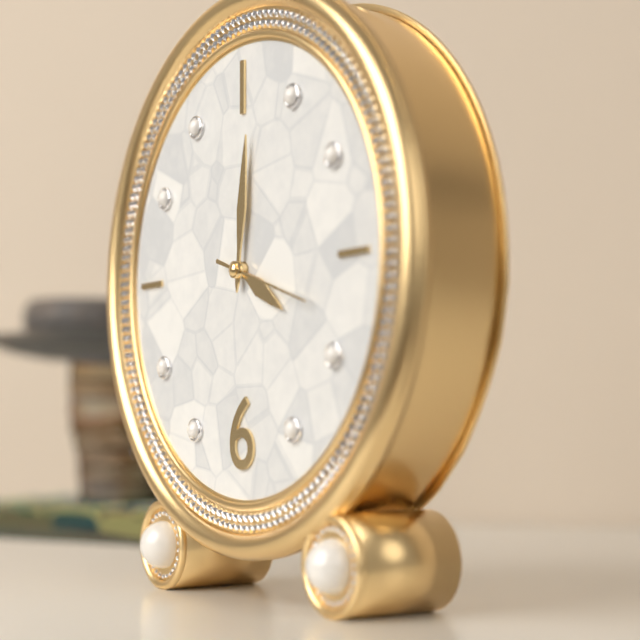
4h01
